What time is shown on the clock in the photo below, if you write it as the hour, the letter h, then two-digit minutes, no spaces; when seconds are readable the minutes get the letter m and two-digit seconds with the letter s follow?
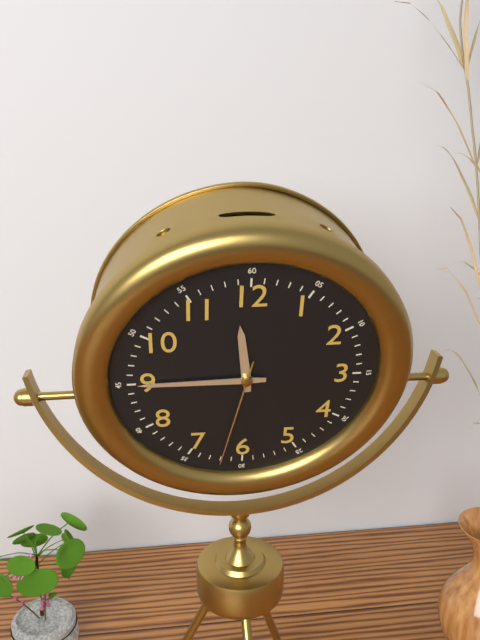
11h45m32s
